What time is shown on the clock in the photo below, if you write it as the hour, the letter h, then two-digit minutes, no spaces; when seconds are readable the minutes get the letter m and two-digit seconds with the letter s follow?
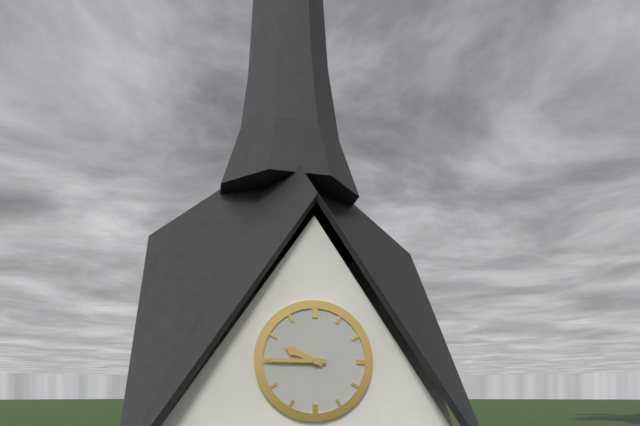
9h45
